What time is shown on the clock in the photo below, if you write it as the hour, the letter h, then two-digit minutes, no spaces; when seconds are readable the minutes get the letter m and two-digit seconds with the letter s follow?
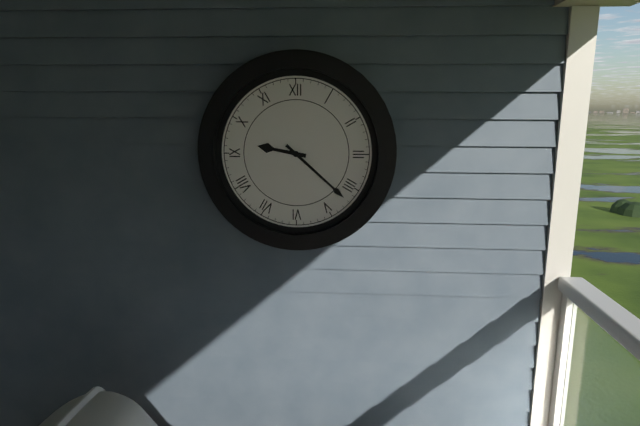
9h22
